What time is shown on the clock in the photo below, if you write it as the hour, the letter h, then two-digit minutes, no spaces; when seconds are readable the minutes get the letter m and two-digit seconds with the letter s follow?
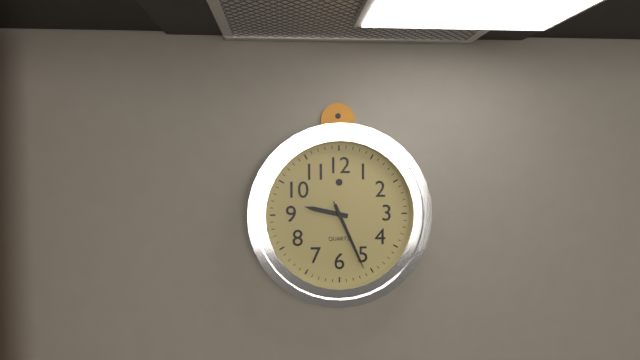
9h26m26s
